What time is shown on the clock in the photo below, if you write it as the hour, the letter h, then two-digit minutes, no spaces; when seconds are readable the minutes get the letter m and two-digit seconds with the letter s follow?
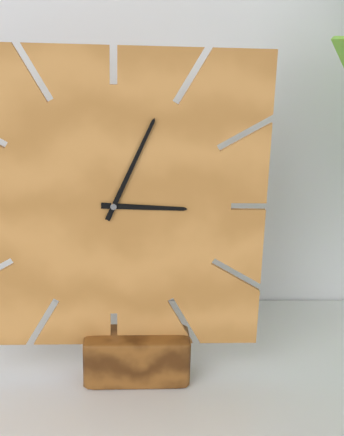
3h04
